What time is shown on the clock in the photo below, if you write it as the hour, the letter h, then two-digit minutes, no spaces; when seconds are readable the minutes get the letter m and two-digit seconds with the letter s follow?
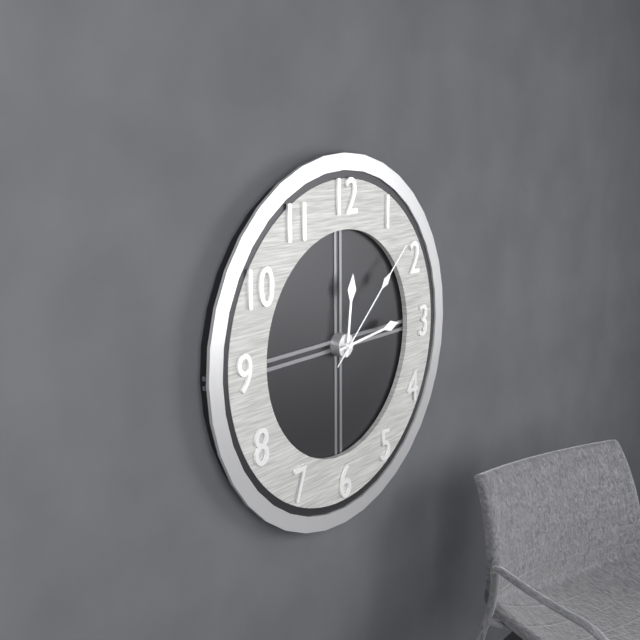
12h14m08s
